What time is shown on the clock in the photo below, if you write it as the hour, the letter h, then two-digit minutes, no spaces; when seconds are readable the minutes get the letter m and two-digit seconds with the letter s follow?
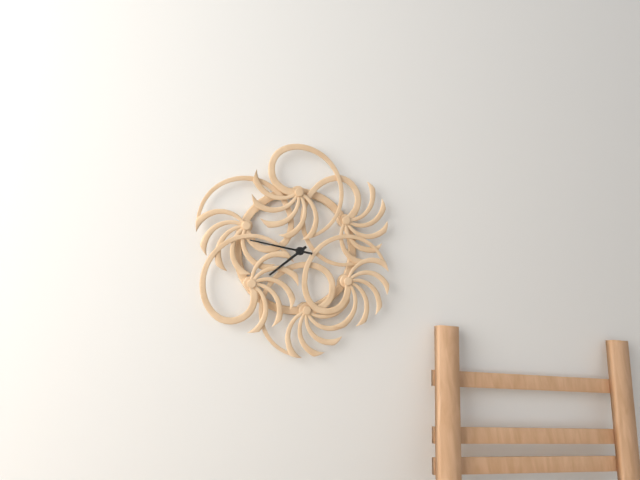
7h47
